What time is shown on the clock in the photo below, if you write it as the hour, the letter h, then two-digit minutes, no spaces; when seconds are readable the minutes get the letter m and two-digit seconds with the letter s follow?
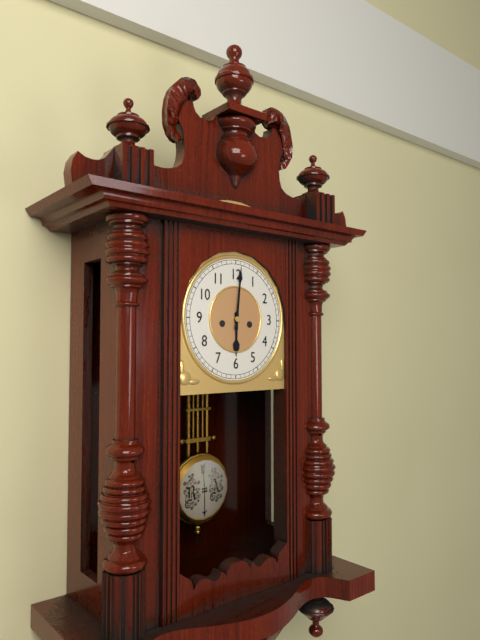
6h01
